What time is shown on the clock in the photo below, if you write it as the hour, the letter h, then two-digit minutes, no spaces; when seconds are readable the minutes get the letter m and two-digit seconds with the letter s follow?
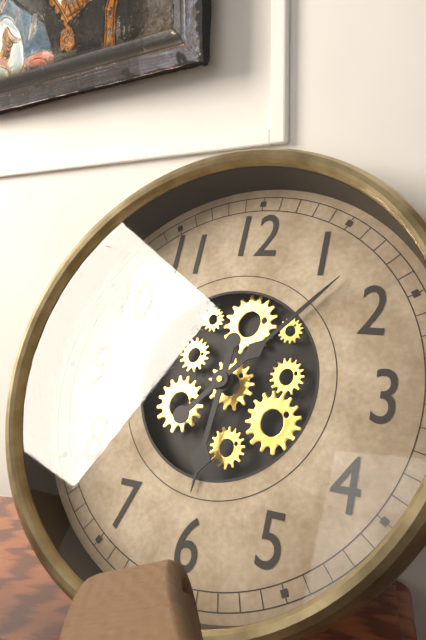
6h07
